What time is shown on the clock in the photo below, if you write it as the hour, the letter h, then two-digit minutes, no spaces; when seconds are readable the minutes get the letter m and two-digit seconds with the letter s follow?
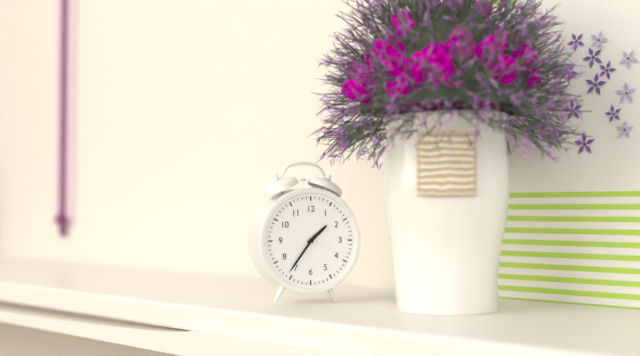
1h36
